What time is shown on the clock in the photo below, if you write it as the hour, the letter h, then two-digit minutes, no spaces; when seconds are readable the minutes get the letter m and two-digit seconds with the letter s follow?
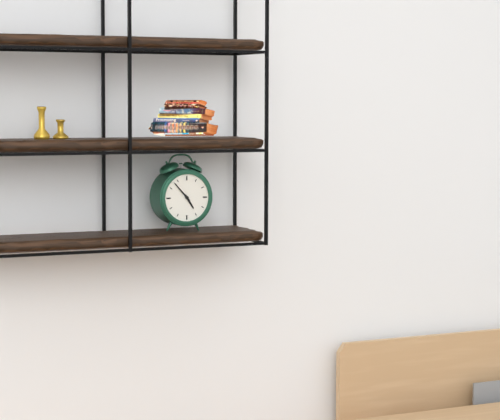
4h53
